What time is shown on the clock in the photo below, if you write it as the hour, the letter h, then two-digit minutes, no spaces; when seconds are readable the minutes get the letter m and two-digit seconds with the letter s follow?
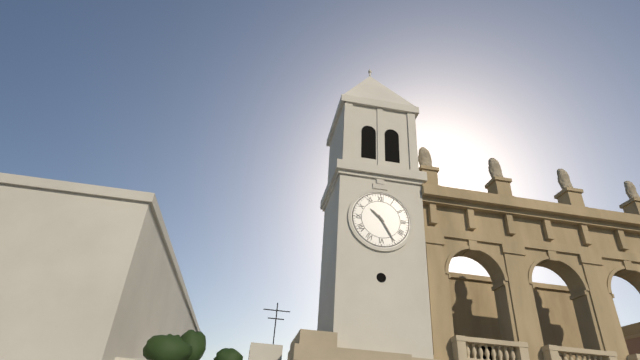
10h25
